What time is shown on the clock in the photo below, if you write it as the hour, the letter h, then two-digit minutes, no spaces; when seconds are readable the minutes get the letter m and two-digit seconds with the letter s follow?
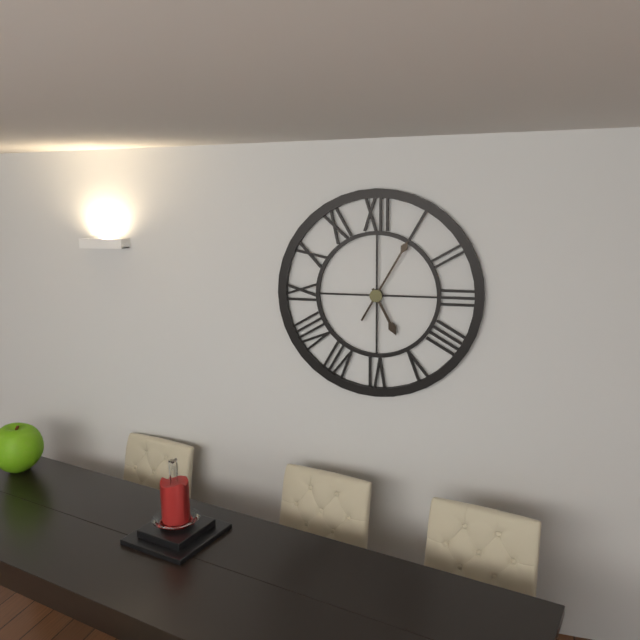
5h05
